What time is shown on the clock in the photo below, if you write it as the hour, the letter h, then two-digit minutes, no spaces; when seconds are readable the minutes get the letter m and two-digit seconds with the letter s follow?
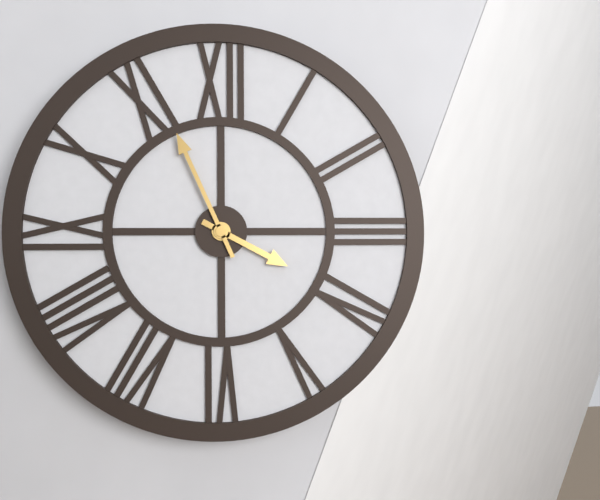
3h56
